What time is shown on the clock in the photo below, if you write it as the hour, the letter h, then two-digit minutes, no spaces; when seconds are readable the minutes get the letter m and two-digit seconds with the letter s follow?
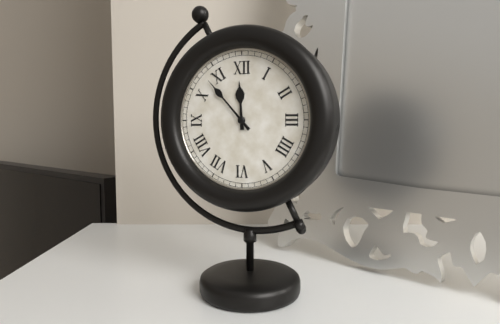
11h53
